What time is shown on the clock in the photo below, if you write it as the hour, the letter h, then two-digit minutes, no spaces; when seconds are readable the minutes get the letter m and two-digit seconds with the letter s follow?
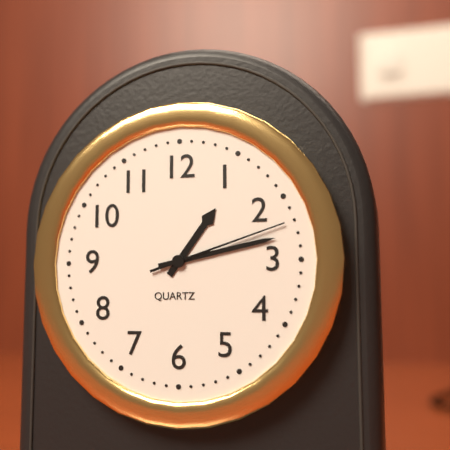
1h13m12s
